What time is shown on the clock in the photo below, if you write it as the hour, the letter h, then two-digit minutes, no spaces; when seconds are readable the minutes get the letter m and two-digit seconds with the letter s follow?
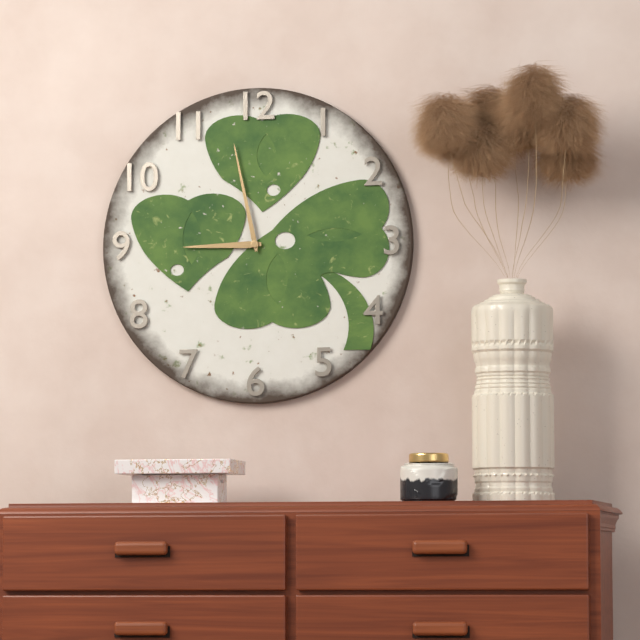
8h58
